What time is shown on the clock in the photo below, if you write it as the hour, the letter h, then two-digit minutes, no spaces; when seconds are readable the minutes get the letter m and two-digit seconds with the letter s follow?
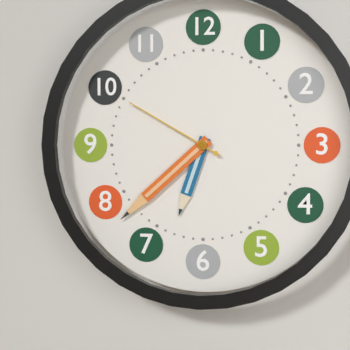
6h38m50s
